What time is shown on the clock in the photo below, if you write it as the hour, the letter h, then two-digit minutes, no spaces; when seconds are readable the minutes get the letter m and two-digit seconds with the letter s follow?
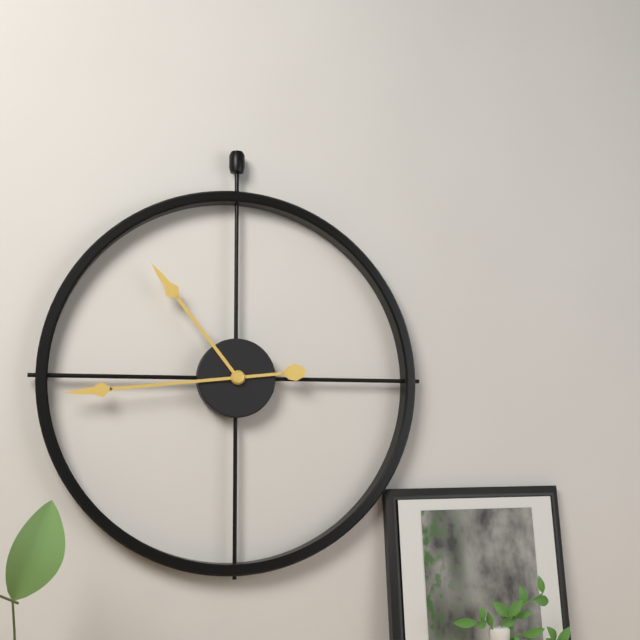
10h44
